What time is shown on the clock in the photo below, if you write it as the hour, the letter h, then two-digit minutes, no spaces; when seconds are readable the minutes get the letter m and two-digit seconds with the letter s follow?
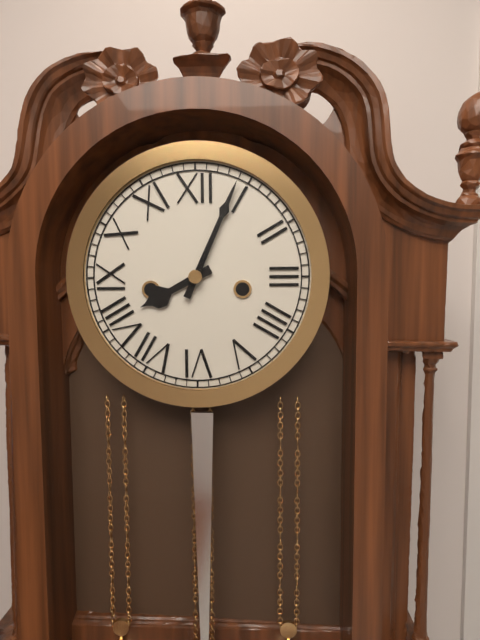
8h04
